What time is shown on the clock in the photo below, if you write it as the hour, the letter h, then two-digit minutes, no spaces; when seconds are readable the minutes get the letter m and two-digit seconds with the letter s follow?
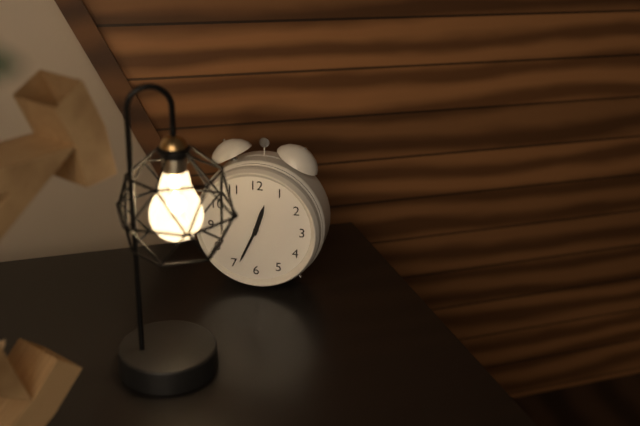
12h34
